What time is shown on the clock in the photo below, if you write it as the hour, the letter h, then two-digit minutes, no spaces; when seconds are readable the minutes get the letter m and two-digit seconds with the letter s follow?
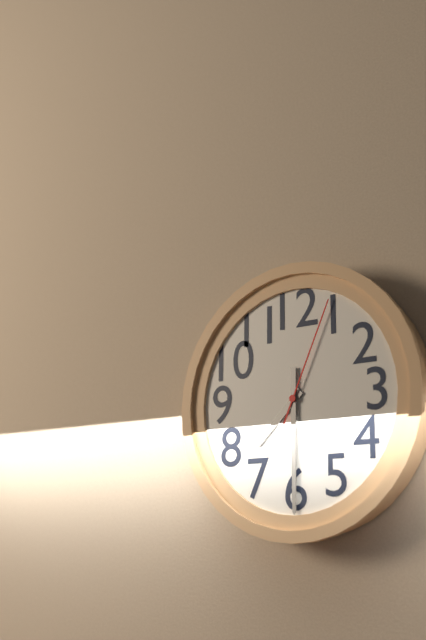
7h30m04s
